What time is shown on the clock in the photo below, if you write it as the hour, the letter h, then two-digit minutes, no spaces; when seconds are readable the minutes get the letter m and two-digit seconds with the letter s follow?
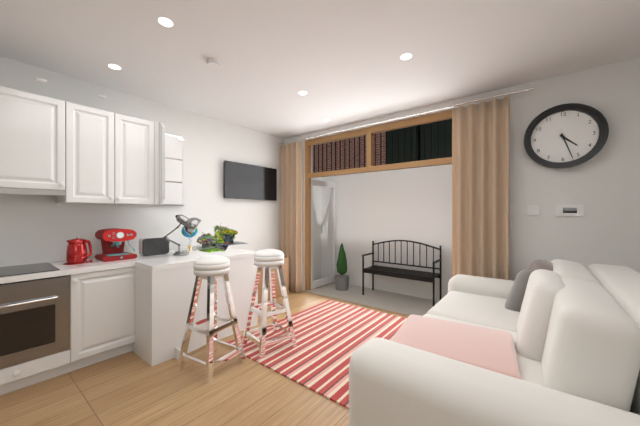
4h27
